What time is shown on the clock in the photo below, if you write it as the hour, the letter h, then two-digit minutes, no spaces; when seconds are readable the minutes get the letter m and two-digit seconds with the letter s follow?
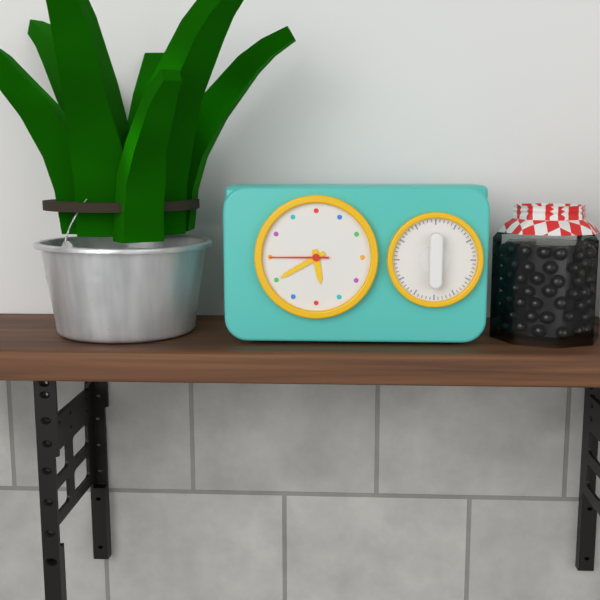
5h40m45s
